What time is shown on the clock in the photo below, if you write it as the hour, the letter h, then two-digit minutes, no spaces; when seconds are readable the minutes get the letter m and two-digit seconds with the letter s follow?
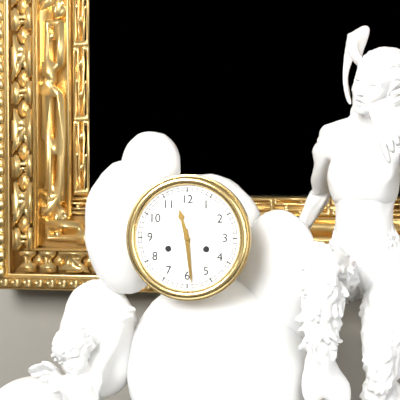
11h29
